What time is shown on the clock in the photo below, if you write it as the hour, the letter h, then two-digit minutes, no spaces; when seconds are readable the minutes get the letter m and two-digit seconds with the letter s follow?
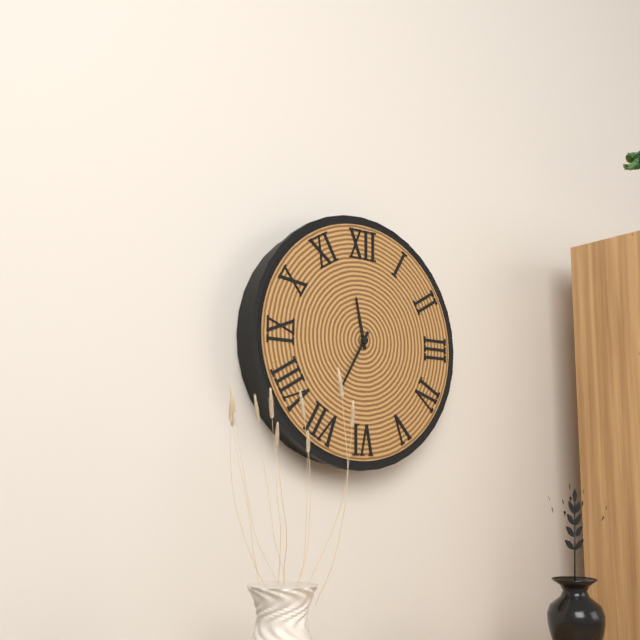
11h35
